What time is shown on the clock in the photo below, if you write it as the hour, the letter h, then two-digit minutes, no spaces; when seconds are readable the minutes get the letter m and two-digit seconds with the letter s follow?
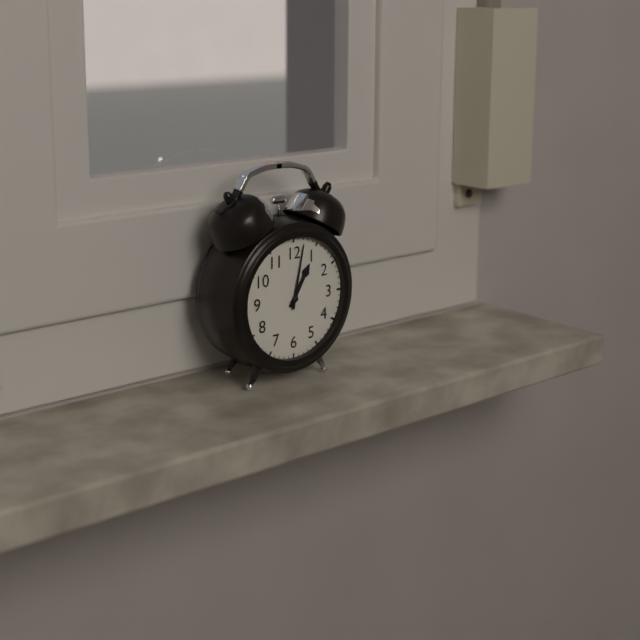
1h02
